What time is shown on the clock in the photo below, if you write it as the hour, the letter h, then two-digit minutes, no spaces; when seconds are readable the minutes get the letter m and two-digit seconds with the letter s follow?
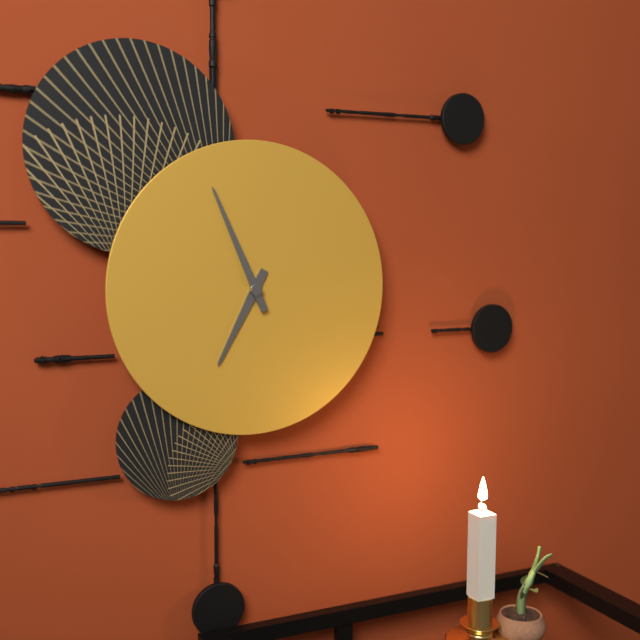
6h56
